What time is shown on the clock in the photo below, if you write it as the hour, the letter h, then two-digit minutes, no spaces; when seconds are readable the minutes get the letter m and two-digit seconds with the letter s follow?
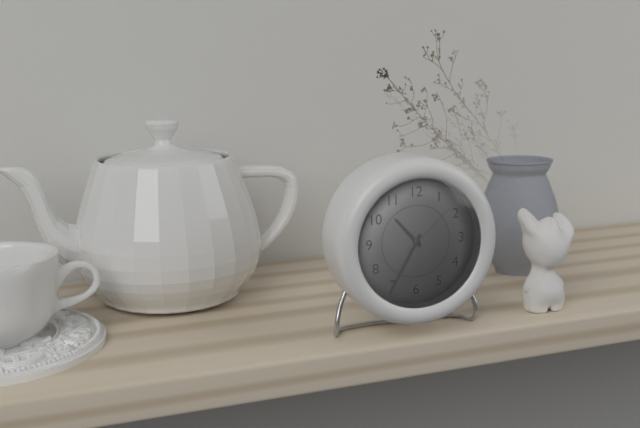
10h35m08s
